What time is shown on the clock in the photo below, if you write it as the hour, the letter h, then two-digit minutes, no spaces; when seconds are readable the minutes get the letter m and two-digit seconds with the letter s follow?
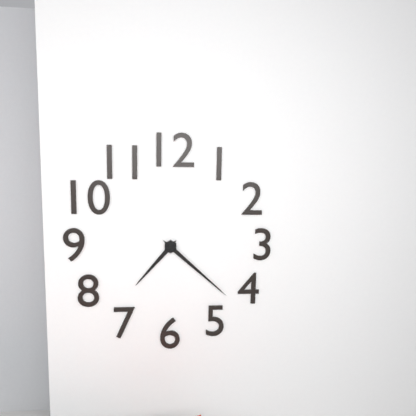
7h22
